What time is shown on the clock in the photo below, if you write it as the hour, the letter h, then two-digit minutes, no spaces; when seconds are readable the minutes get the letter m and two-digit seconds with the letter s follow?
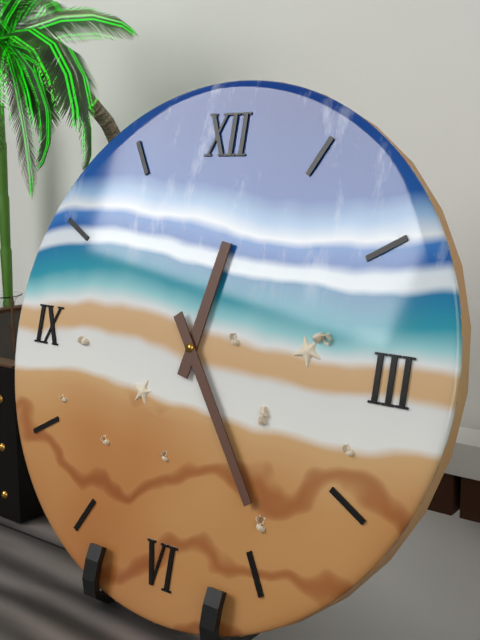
12h24
